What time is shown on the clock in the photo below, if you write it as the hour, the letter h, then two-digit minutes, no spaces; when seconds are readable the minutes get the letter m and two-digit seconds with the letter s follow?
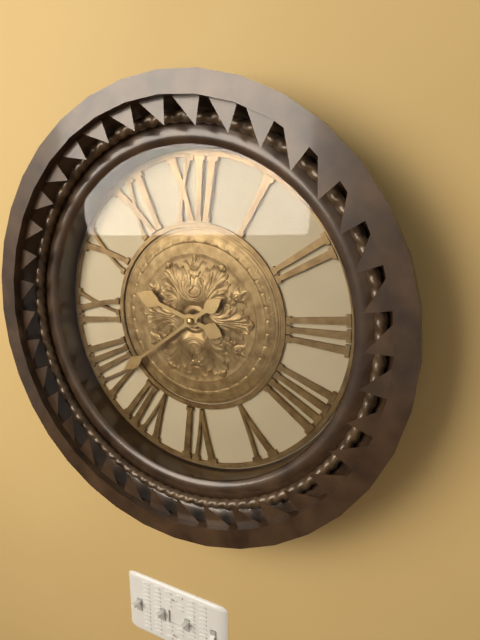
9h39
